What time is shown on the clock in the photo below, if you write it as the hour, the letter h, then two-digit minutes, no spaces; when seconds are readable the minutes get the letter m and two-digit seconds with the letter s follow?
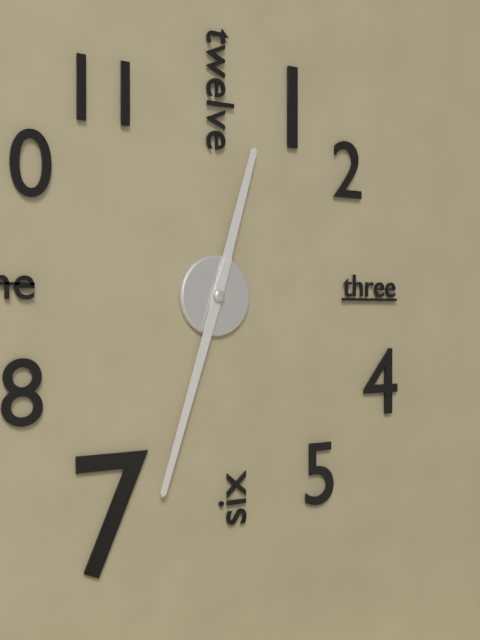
12h33
